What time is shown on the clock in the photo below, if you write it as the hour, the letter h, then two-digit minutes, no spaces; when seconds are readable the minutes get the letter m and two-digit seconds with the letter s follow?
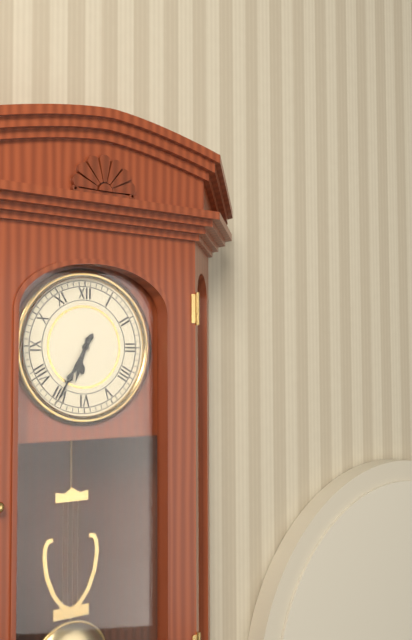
6h35
